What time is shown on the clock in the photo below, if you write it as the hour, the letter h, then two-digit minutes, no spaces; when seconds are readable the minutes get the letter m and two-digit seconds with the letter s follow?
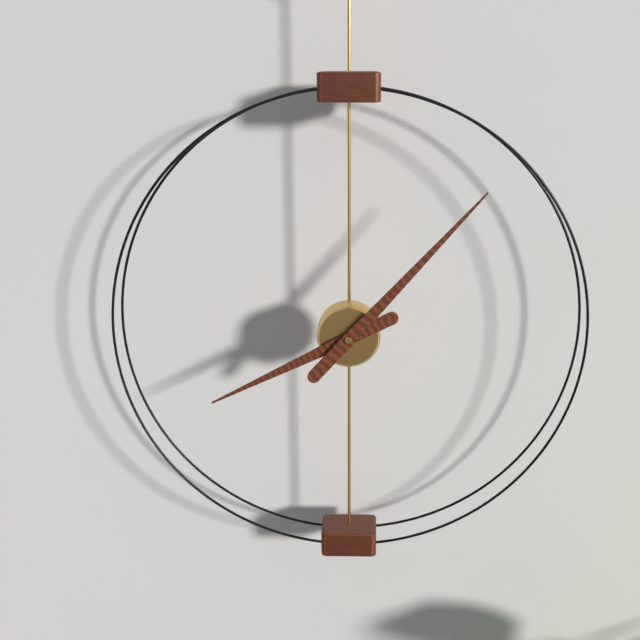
8h07
